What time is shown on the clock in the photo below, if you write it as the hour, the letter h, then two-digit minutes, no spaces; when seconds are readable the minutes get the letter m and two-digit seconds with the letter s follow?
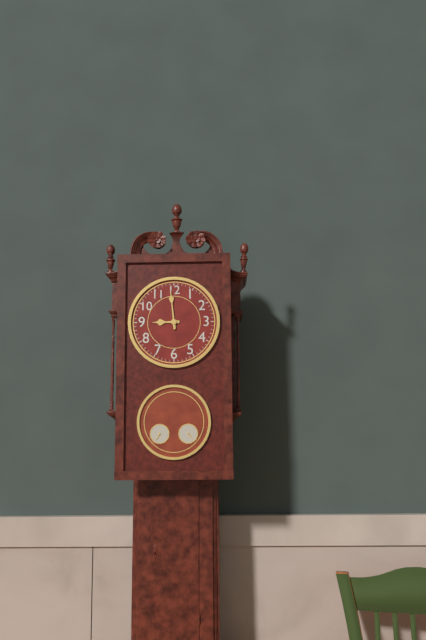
8h59
